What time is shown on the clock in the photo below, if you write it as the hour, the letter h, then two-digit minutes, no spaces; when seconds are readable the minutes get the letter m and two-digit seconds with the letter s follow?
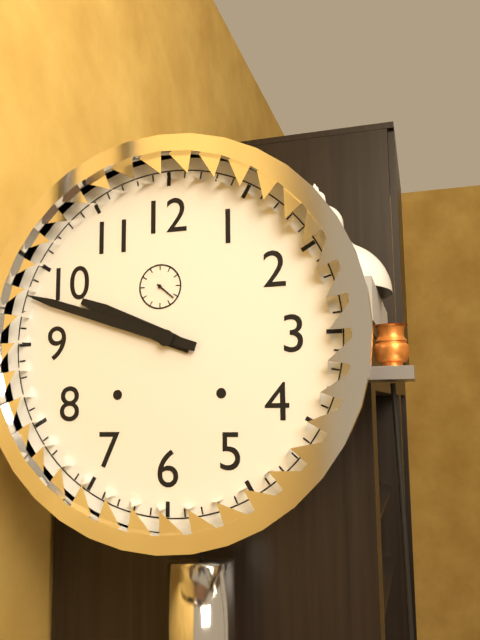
9h48
